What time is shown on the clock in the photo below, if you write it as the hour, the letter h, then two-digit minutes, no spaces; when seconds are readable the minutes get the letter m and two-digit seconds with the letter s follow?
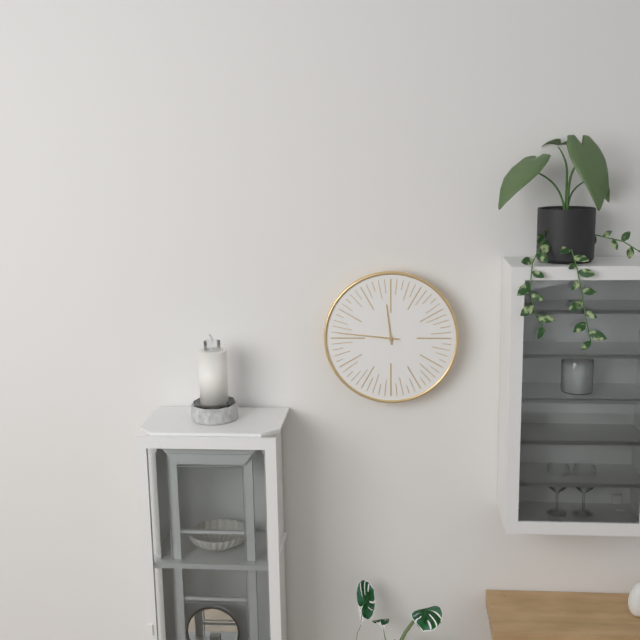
11h46
